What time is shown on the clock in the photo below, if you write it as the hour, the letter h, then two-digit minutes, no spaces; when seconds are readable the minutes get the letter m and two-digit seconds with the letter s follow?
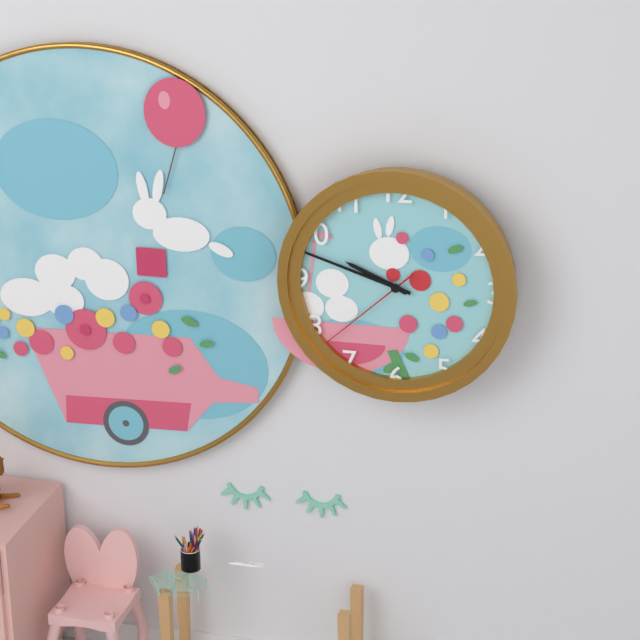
9h48m38s
